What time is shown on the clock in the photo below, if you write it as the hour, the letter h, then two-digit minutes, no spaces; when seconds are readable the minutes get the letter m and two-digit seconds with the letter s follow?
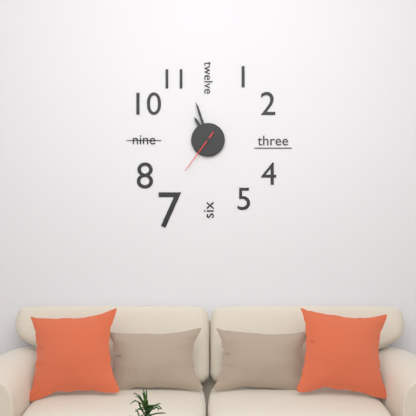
10h57
